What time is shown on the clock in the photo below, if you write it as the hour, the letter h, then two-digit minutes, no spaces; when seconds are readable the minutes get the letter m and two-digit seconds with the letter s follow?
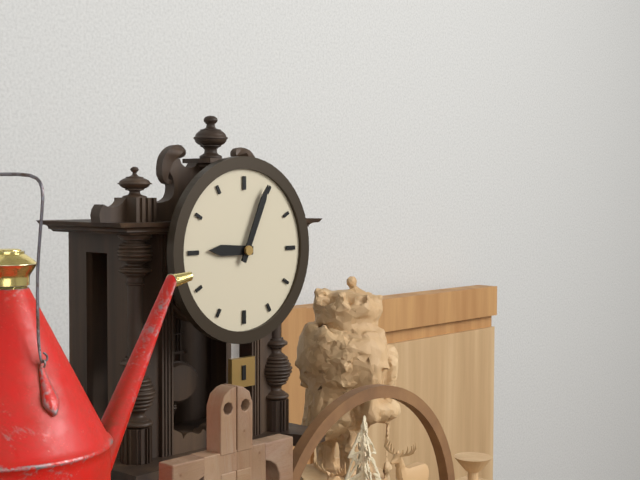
9h04
